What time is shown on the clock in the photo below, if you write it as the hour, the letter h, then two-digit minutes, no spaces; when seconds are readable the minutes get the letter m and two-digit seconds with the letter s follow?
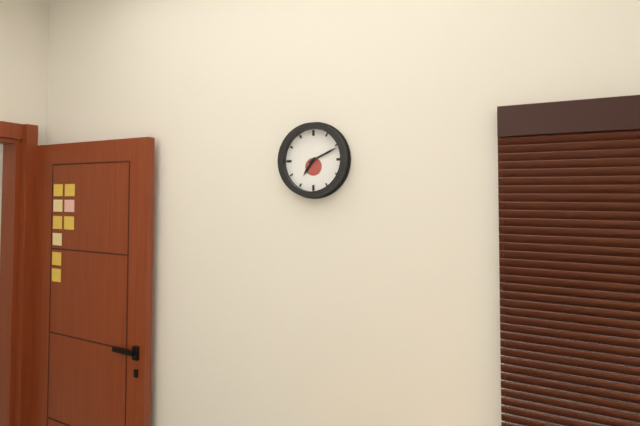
7h11
